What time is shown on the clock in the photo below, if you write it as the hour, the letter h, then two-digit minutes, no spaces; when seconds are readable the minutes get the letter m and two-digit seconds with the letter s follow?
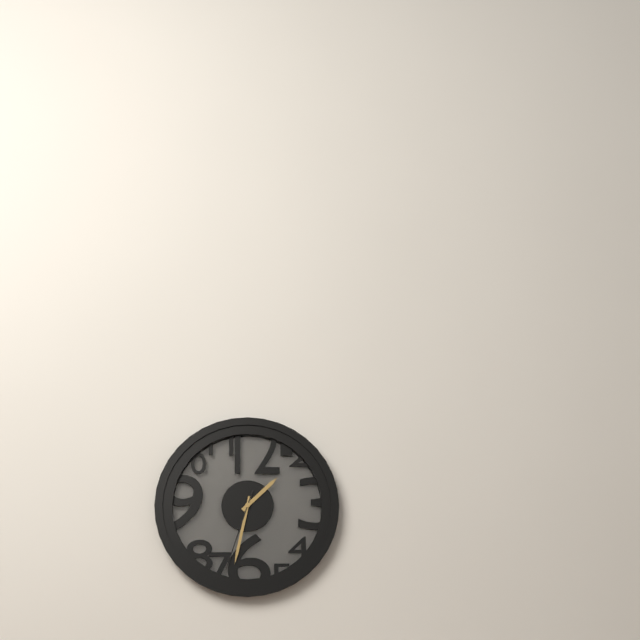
1h32m33s
